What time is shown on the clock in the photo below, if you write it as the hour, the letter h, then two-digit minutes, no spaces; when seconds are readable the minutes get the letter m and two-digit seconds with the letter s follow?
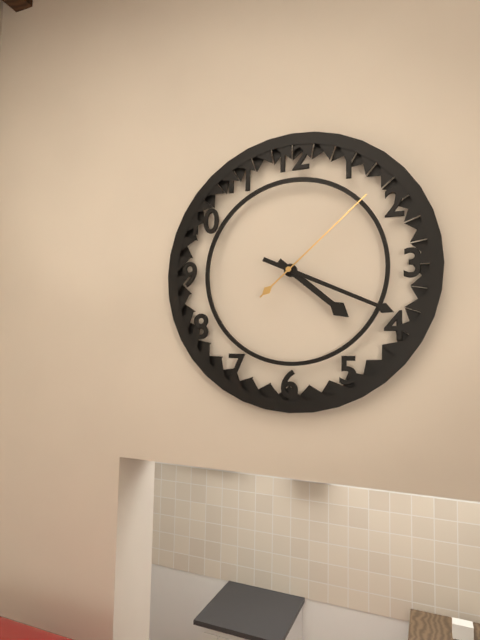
4h19m08s
